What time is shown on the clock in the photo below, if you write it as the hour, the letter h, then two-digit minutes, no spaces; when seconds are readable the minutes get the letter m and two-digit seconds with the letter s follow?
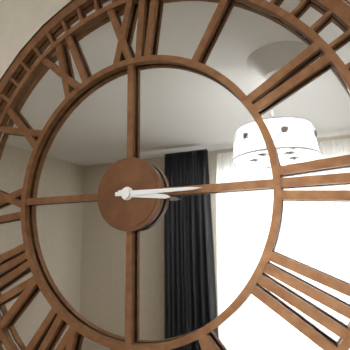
3h15
